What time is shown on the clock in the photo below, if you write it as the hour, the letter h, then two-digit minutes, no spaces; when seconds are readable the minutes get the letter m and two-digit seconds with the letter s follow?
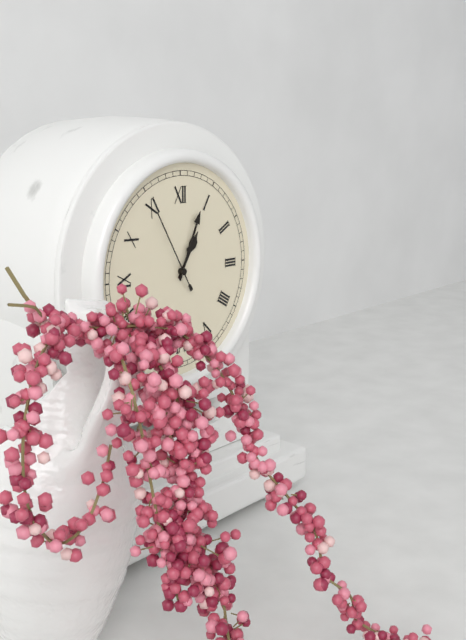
1h04m55s
